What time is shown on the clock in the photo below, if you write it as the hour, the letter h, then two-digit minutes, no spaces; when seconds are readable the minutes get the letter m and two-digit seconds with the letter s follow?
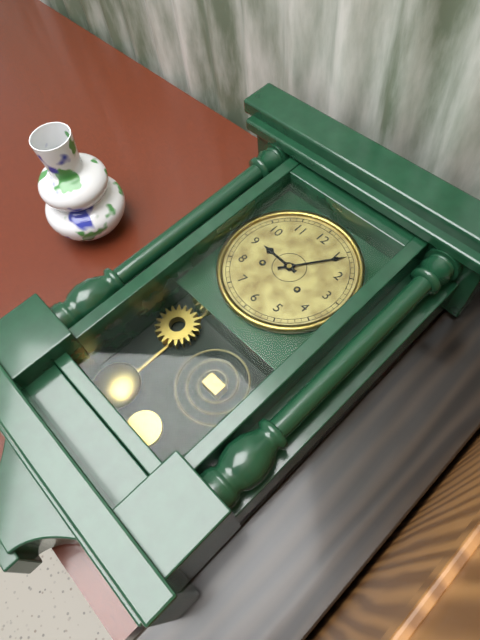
9h06
